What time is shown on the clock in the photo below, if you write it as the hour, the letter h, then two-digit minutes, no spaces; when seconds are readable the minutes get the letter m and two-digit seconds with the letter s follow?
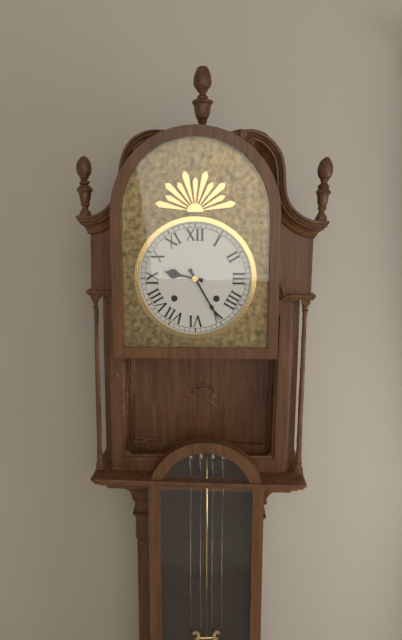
9h25
